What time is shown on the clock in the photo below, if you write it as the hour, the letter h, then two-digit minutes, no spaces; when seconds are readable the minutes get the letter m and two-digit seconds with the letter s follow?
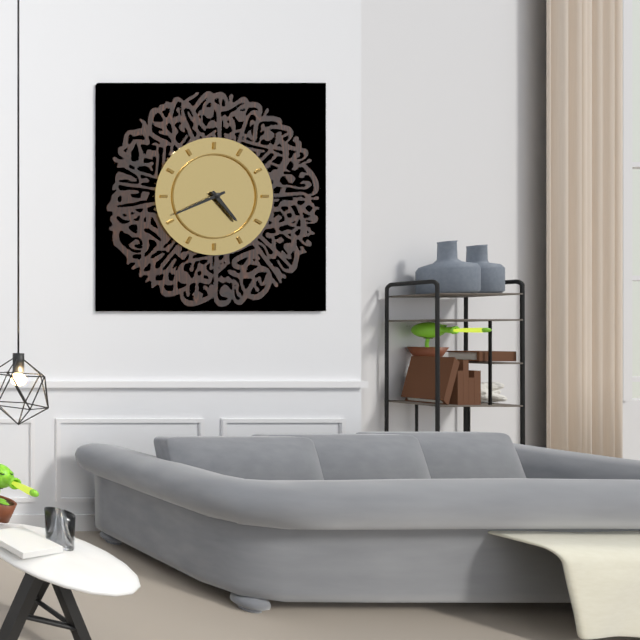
4h41
